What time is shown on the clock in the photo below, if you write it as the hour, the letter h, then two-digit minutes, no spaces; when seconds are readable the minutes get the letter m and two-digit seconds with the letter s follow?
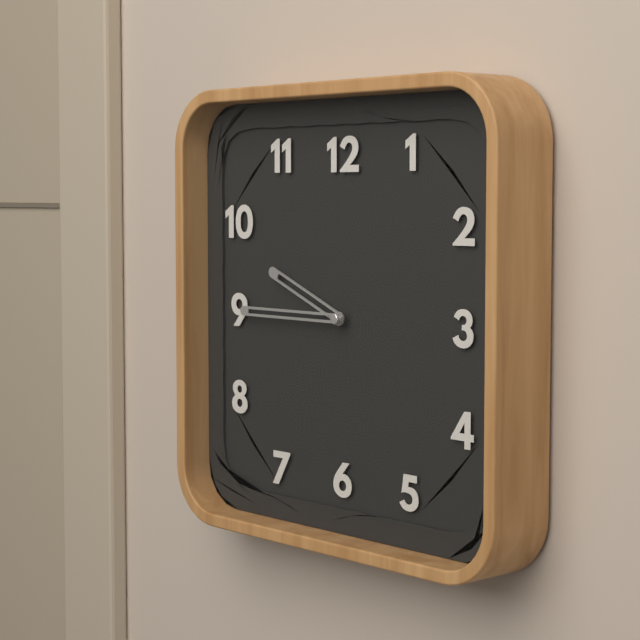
9h45
